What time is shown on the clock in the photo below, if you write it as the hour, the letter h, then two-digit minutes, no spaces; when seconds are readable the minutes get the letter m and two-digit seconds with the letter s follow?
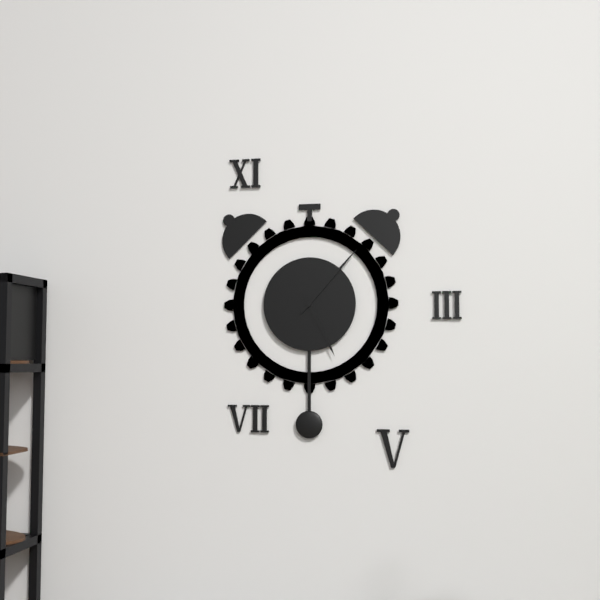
5h07
